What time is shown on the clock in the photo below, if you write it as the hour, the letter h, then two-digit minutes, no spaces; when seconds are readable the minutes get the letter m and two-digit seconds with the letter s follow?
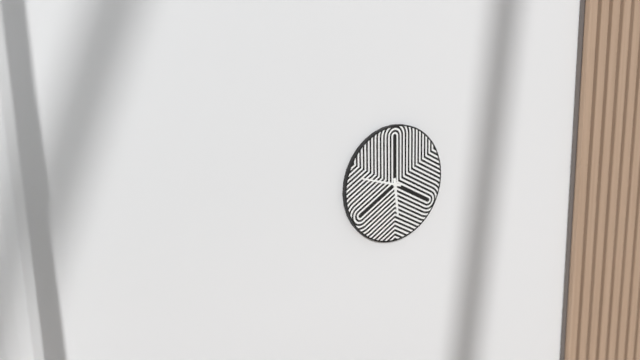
5h48
